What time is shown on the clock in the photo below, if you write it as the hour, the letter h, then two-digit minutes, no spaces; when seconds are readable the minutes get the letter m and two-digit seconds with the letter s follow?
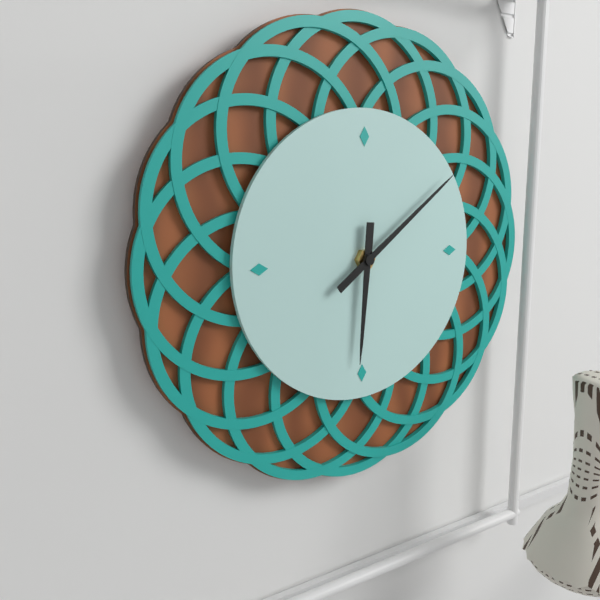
6h09
